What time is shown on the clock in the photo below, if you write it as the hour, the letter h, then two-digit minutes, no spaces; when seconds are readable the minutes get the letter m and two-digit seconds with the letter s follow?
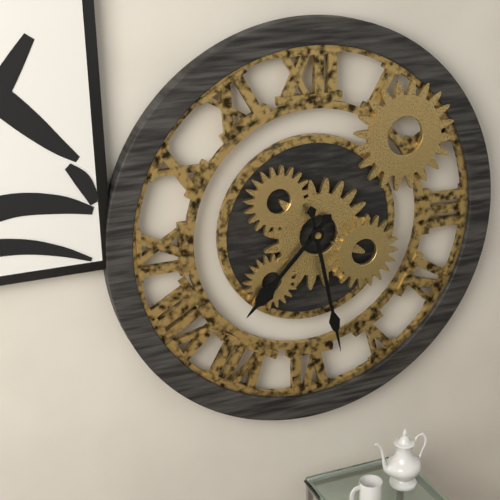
7h28
